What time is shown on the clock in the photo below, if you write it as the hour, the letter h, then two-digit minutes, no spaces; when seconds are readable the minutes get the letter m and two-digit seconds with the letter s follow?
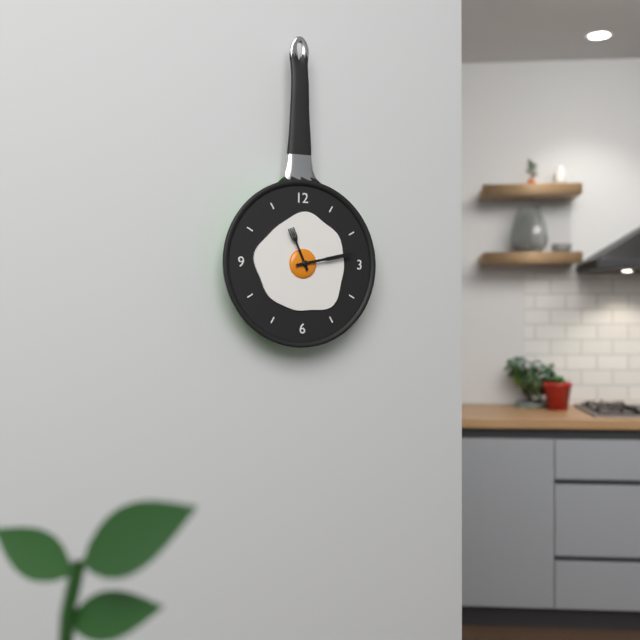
11h13
